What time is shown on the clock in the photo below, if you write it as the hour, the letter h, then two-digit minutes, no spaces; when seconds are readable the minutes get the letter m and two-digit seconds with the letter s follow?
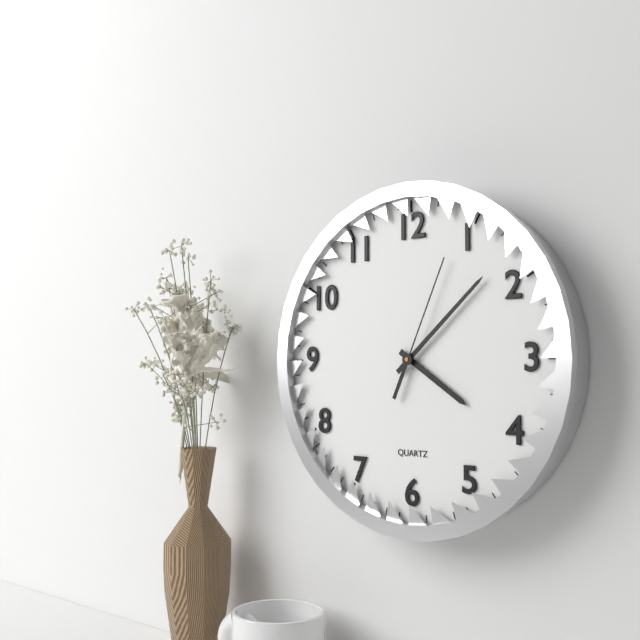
4h08m04s
